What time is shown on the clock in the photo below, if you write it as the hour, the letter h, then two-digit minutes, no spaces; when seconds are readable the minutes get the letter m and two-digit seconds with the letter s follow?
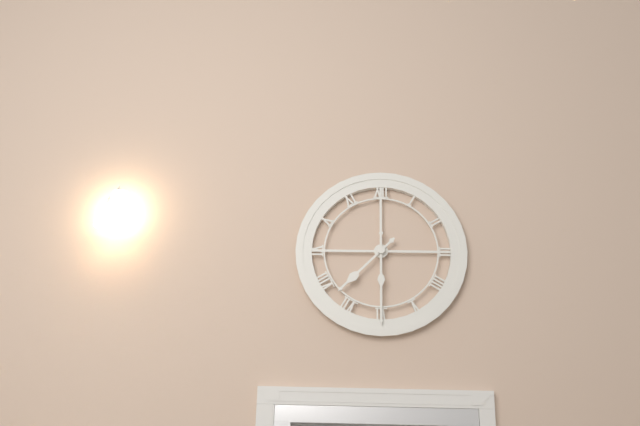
7h30
